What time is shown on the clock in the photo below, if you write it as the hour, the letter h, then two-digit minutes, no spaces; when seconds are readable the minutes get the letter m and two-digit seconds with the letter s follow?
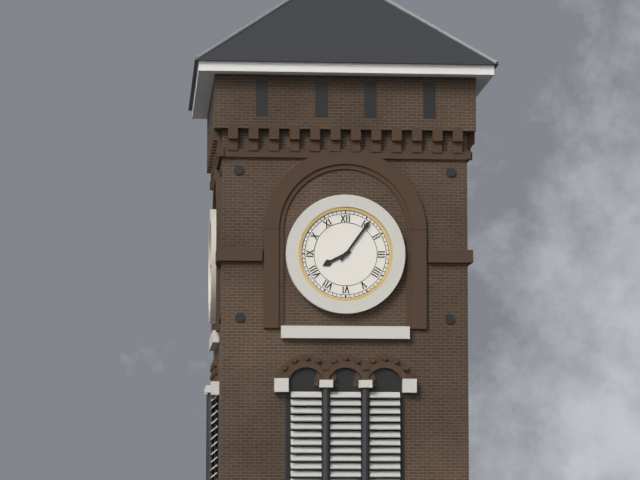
8h06
